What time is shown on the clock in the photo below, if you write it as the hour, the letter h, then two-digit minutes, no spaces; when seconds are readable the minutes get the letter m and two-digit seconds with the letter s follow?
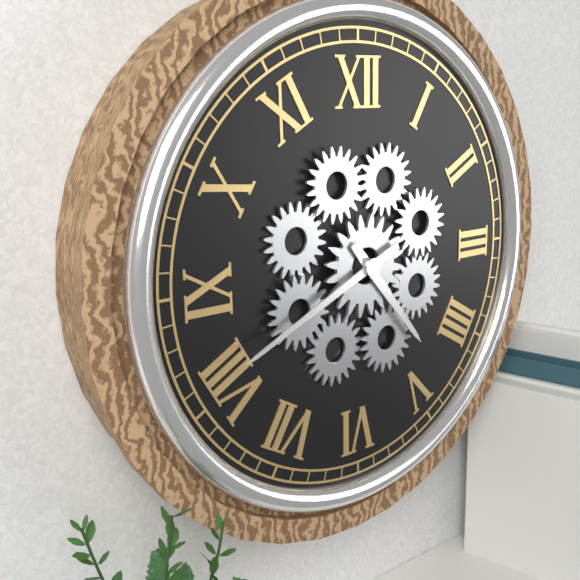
4h41
